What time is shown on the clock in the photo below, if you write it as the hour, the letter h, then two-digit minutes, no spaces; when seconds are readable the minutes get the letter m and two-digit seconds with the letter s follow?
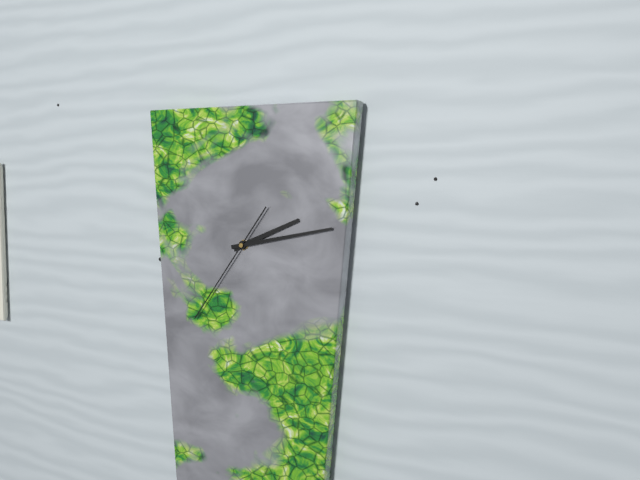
2h13m36s
